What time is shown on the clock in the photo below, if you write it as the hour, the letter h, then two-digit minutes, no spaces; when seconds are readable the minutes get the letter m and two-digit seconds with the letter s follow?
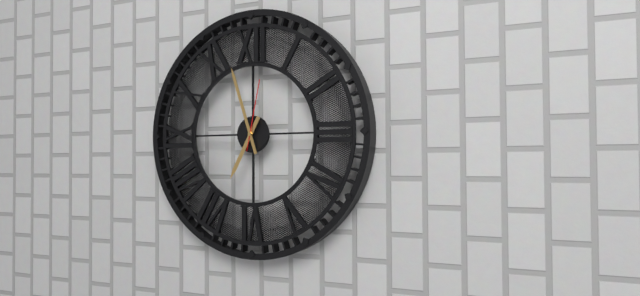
6h57m02s
